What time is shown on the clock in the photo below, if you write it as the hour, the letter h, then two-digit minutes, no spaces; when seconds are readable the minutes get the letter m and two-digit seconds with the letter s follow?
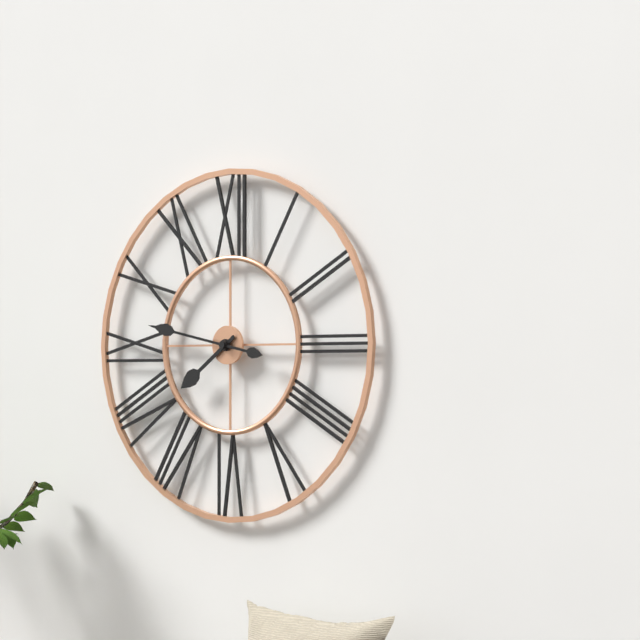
7h47
